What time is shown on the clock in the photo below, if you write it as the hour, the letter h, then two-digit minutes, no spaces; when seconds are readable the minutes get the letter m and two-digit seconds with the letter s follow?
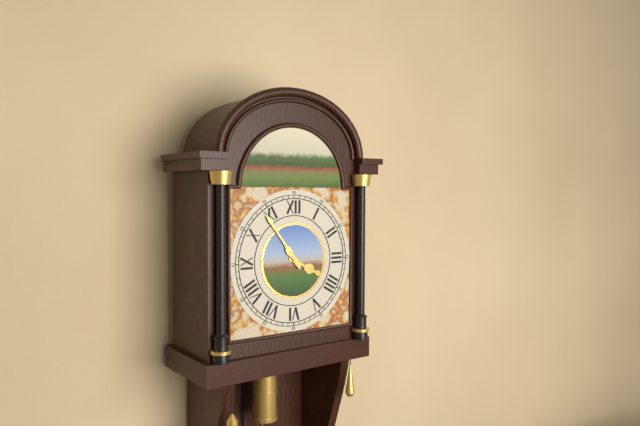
3h54
